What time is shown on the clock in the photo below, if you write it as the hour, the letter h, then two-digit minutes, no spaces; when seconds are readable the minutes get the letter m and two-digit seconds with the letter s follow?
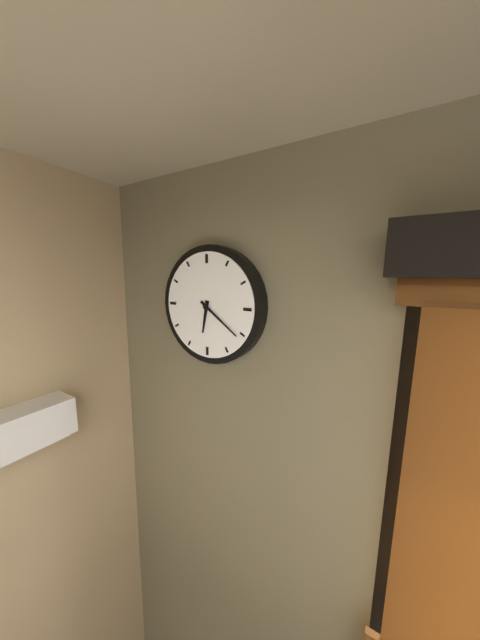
6h21
